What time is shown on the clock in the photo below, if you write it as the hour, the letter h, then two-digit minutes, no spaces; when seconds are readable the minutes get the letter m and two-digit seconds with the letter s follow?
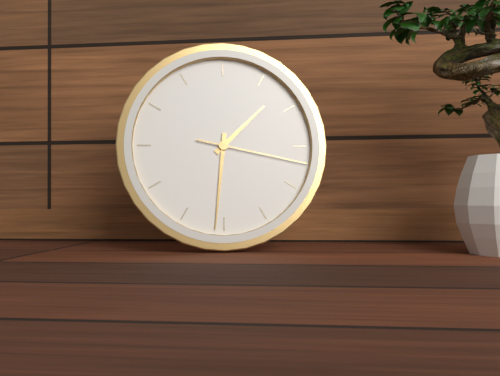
1h31m17s
